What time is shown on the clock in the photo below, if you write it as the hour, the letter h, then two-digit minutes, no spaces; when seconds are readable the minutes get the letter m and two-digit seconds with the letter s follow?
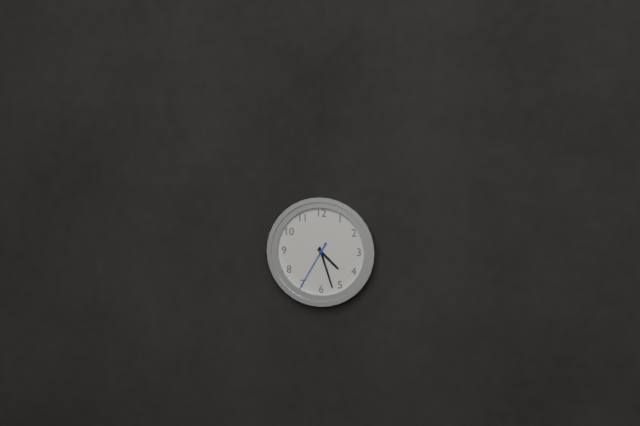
4h27m35s
